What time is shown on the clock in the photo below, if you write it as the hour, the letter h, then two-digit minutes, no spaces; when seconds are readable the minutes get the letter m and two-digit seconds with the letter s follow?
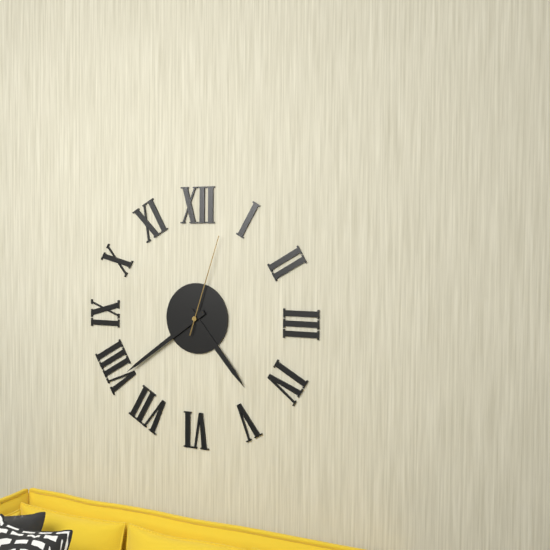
4h39m03s
